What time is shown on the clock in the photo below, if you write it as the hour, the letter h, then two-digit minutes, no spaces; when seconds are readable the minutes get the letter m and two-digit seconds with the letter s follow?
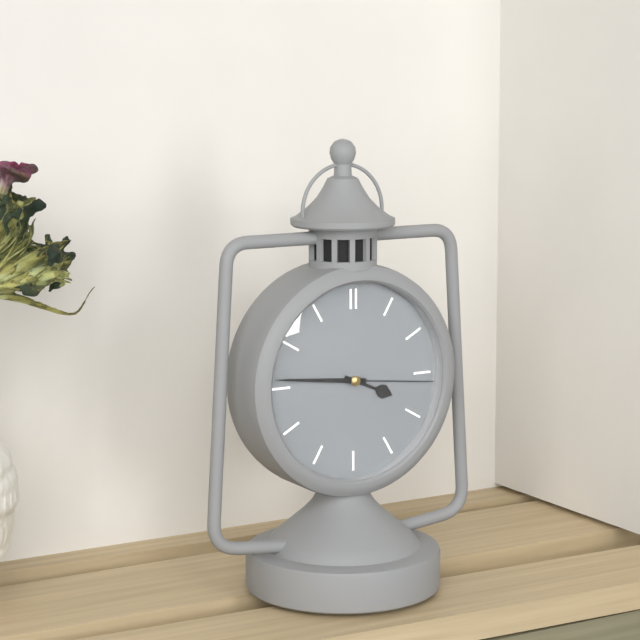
3h46m16s
